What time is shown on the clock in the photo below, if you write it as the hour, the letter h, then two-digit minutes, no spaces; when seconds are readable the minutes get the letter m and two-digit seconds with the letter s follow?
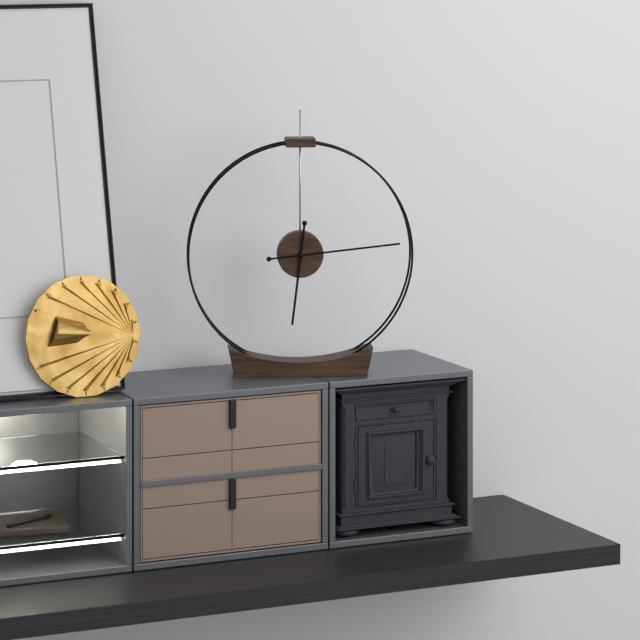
6h14
